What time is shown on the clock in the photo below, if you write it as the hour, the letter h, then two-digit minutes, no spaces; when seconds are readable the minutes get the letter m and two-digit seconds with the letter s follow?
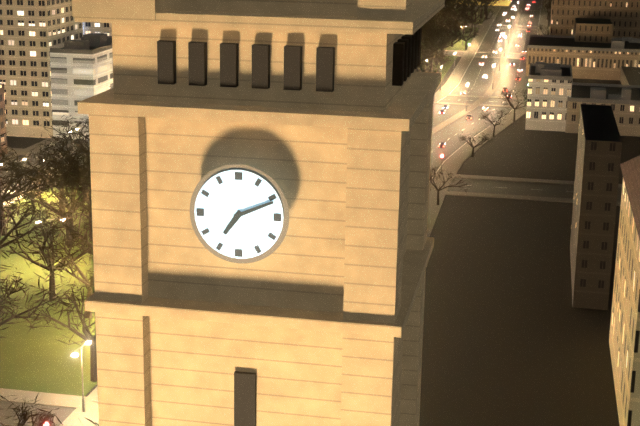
7h11
